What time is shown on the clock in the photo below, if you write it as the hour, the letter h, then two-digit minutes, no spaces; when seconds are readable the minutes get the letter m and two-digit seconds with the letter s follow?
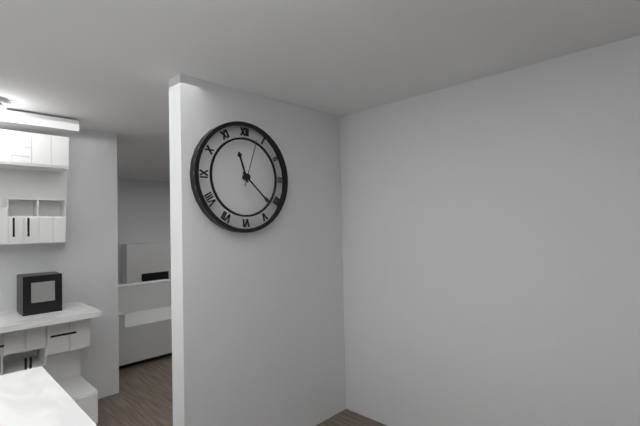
11h22m03s
